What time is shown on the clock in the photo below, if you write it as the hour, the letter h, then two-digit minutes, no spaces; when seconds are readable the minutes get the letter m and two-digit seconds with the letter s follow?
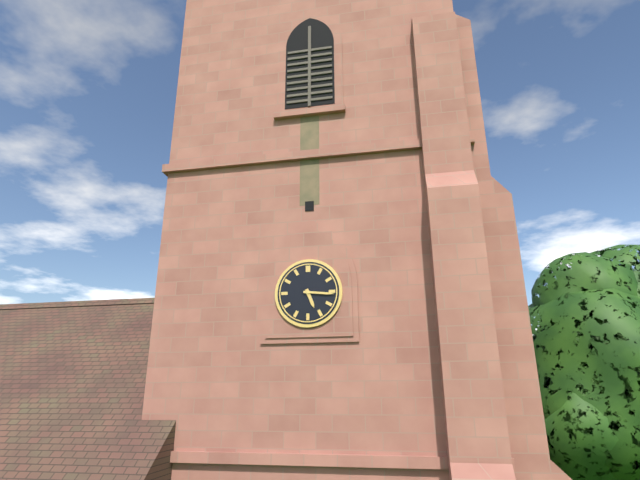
5h16
